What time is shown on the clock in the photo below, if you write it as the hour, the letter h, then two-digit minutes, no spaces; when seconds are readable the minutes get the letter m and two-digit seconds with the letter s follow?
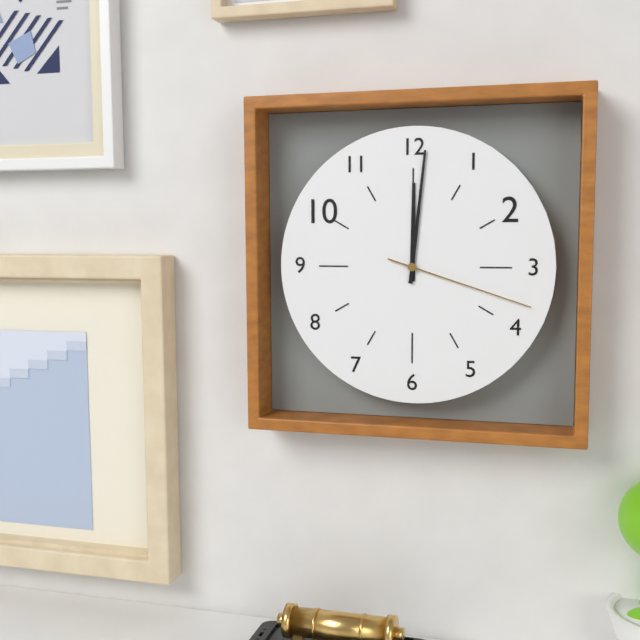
12h01m18s
